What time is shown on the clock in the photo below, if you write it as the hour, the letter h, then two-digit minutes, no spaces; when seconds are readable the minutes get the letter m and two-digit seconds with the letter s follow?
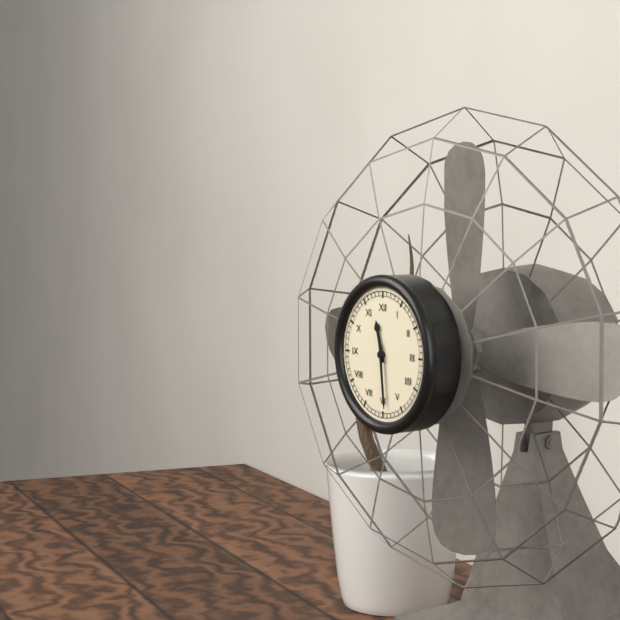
11h29
